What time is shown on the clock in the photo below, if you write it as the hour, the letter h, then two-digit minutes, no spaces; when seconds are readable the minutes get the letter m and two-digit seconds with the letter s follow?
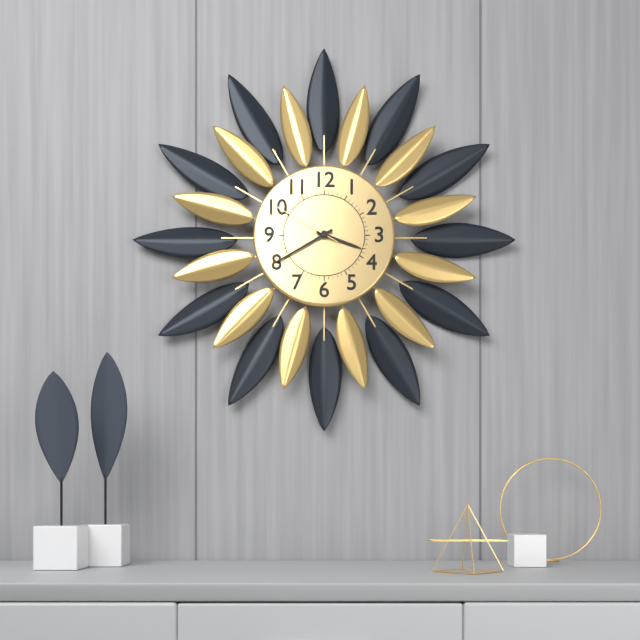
3h40m50s
